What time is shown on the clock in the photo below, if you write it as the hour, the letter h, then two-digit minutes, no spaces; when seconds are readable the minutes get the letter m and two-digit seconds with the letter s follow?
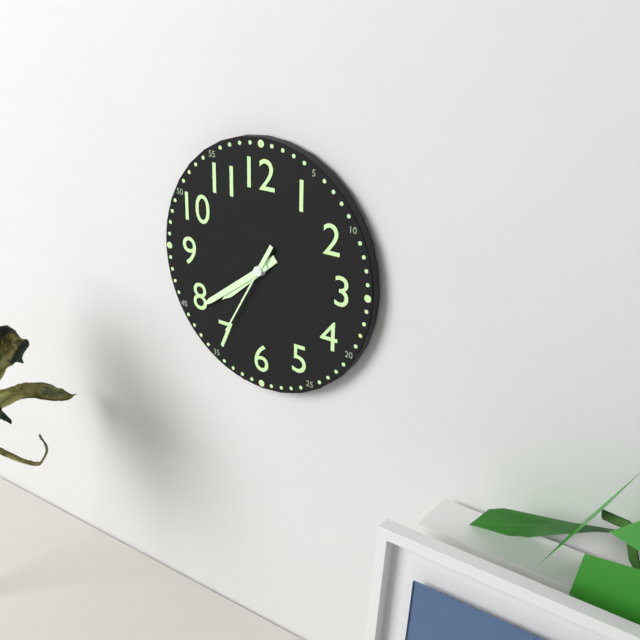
7h39m35s
